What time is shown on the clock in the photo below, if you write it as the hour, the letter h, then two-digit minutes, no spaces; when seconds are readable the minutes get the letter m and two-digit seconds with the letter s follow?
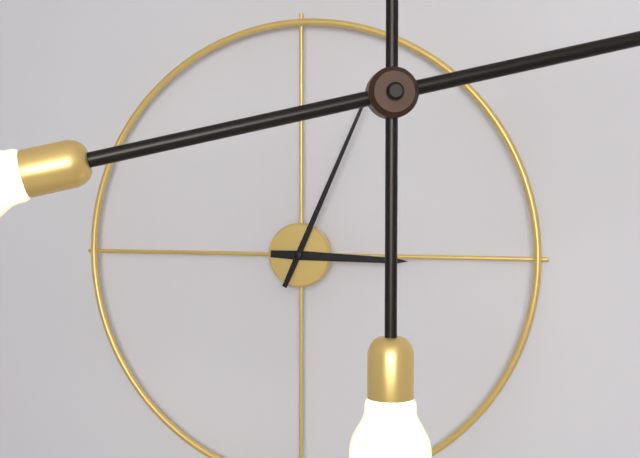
3h04
